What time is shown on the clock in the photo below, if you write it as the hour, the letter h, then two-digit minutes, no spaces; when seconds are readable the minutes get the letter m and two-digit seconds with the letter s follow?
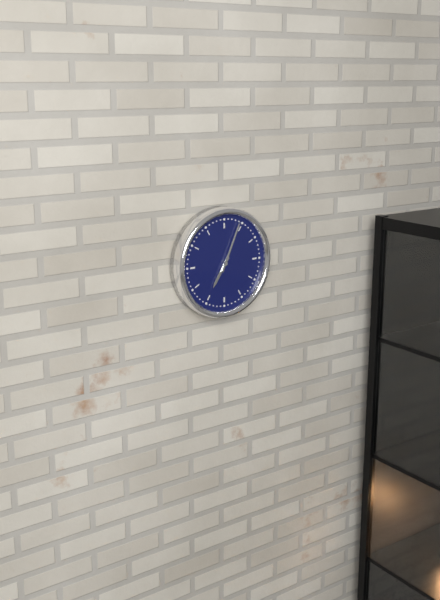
7h04
